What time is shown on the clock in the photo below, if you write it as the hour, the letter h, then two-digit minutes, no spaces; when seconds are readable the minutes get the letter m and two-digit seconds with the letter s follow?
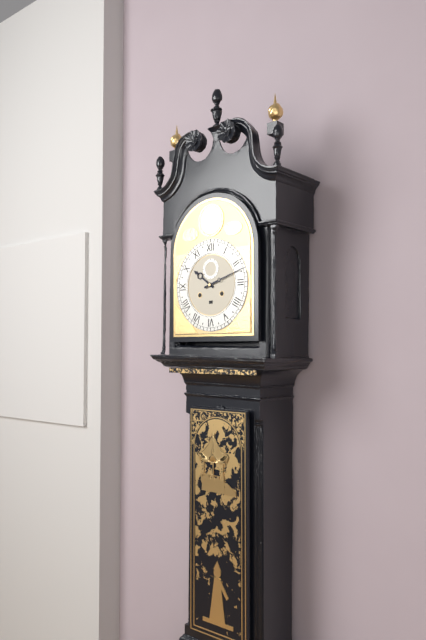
10h12
